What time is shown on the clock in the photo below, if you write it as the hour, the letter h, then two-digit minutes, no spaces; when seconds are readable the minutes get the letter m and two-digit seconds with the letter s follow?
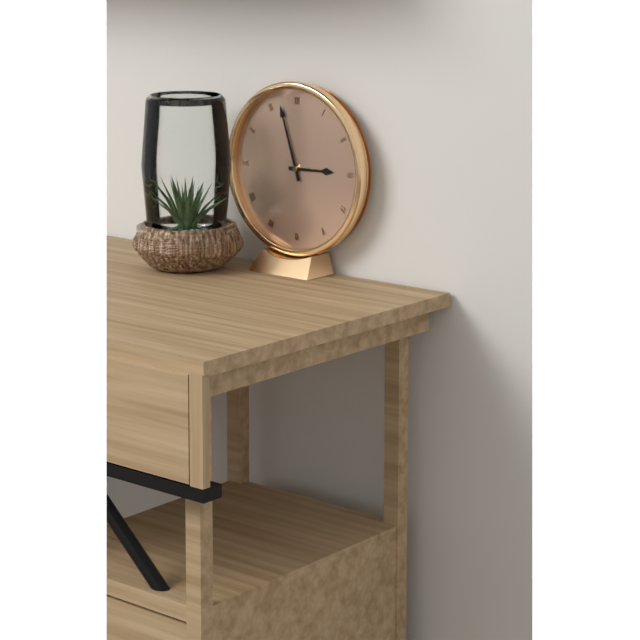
2h57
